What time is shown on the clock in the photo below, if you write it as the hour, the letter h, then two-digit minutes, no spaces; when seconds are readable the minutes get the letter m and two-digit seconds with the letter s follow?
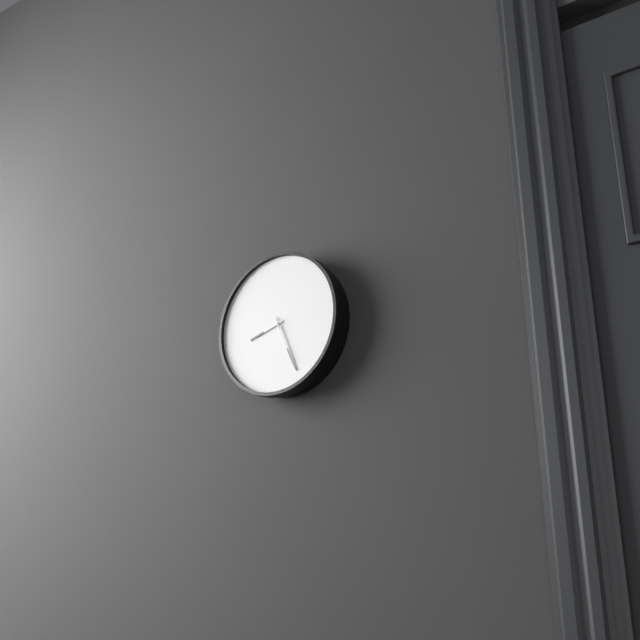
8h26
